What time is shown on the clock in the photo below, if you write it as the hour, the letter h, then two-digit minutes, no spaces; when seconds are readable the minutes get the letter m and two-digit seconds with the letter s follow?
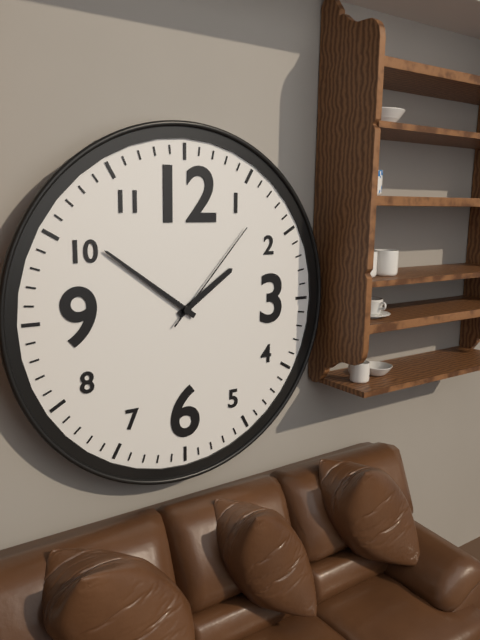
1h51m07s
